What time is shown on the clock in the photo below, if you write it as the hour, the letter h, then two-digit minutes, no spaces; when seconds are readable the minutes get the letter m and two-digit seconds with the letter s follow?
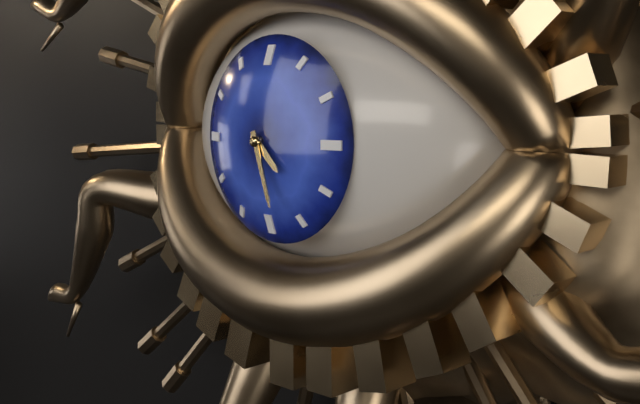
4h27
